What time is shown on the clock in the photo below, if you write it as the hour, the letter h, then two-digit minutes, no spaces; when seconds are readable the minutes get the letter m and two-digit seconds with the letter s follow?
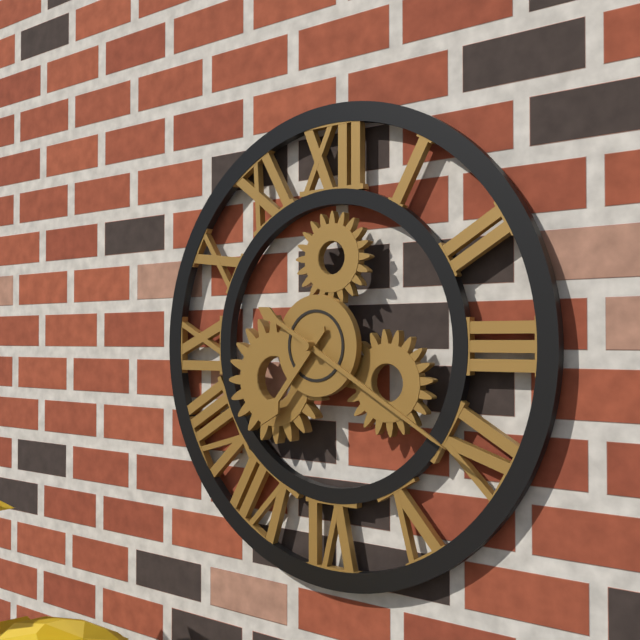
7h20
